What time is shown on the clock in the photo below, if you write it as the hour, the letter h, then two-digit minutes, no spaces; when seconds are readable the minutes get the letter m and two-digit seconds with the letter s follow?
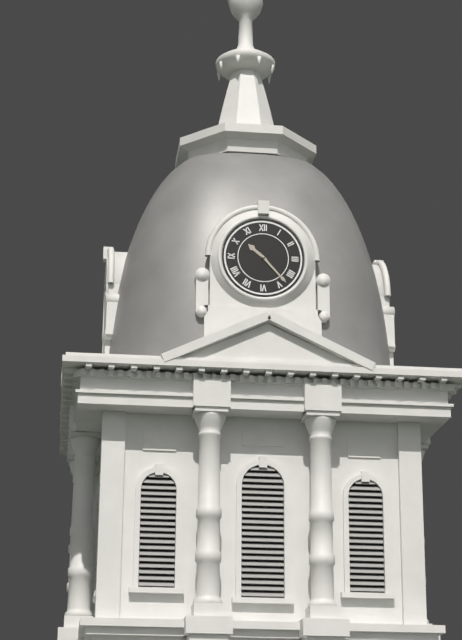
10h23
